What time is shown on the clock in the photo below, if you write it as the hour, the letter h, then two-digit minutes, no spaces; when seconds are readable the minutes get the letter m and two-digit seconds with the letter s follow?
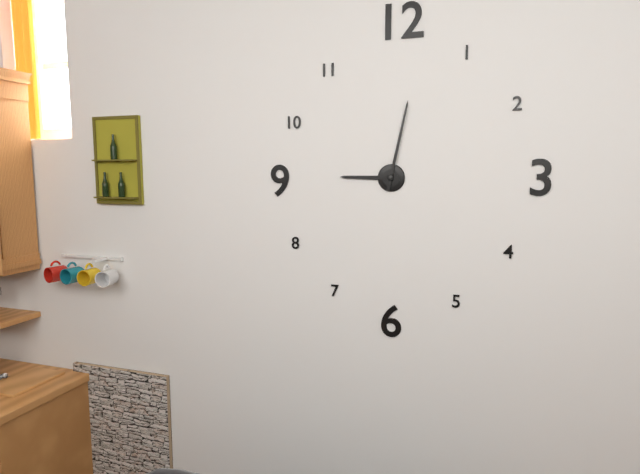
9h02
